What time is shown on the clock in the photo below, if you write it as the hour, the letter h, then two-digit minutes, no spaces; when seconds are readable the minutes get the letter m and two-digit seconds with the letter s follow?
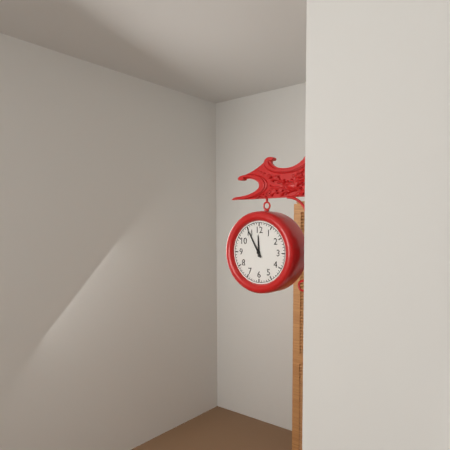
11h55
